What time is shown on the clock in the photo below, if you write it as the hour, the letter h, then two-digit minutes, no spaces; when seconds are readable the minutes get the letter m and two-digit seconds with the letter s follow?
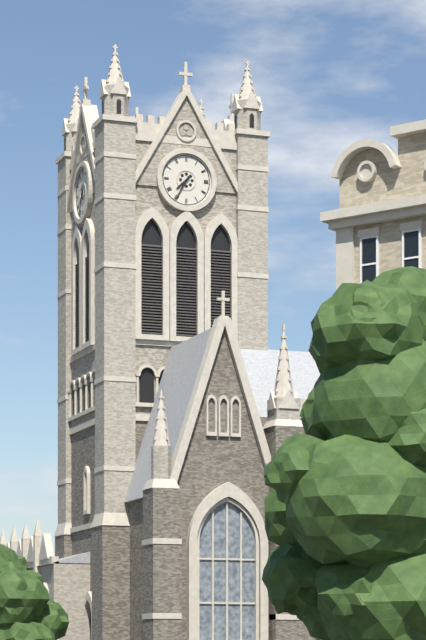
7h35
